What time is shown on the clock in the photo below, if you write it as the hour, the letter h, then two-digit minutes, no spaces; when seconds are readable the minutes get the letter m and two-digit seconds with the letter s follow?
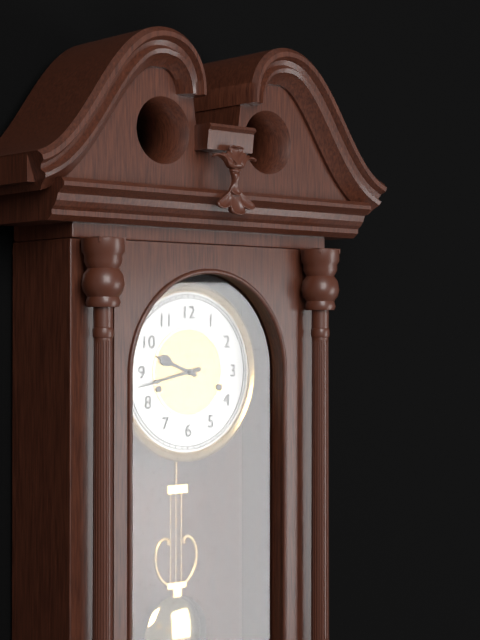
9h43
